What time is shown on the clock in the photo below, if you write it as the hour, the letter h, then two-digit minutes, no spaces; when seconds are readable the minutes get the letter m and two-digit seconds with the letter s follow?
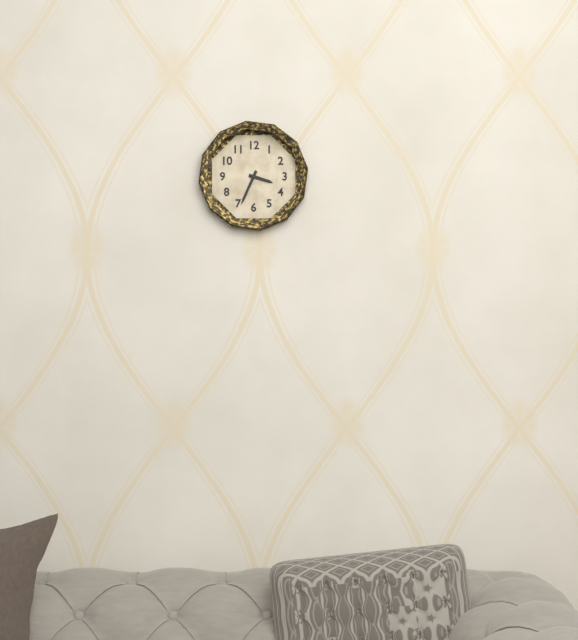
3h34
